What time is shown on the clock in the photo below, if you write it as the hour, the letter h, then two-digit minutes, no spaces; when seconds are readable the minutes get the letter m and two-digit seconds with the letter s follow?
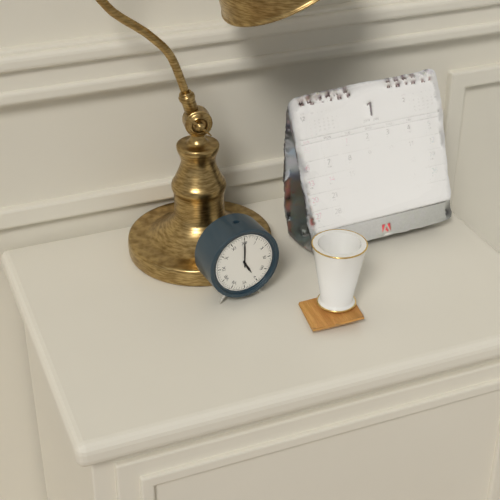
5h00
